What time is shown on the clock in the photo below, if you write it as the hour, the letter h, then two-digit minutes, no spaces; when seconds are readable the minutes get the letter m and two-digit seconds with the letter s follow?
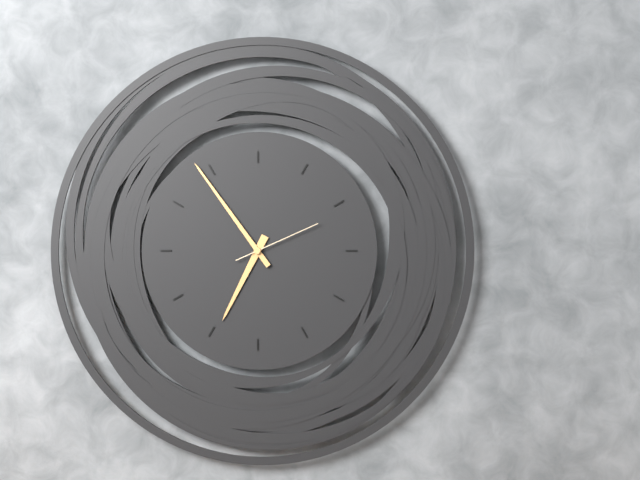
6h54m11s
